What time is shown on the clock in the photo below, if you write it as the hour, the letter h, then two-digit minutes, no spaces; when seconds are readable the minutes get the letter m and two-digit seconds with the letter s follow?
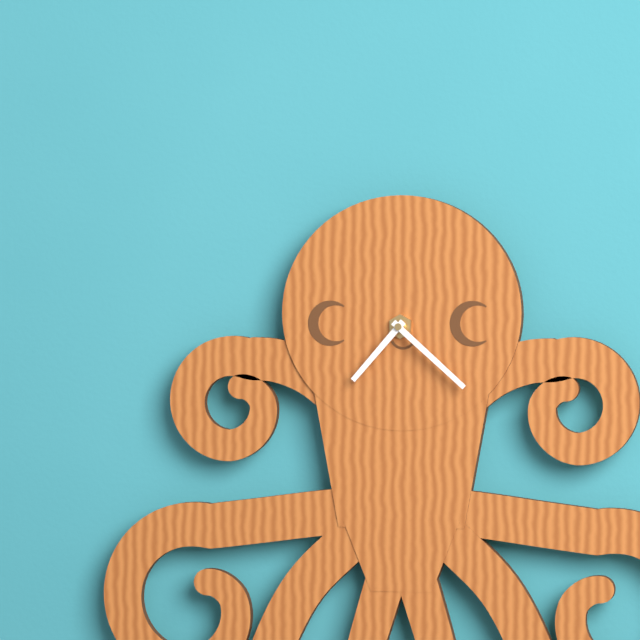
7h22
